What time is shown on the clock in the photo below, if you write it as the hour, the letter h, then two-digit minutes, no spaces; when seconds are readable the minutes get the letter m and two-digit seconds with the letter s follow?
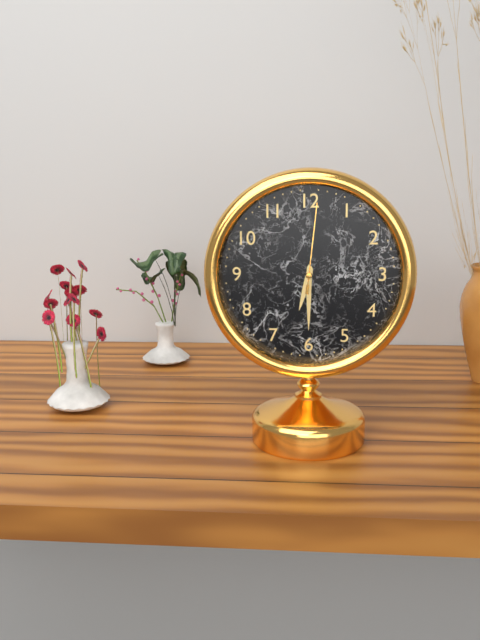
6h30m01s
